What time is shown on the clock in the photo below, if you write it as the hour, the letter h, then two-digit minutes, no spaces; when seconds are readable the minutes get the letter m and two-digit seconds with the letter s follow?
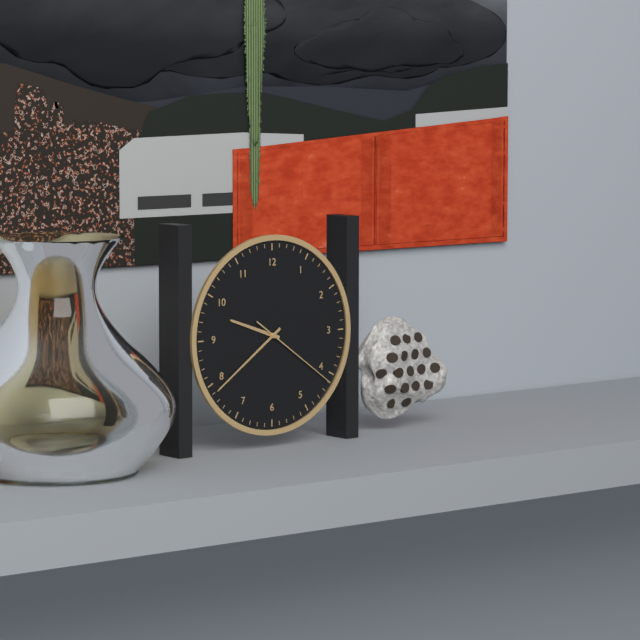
9h39m21s
